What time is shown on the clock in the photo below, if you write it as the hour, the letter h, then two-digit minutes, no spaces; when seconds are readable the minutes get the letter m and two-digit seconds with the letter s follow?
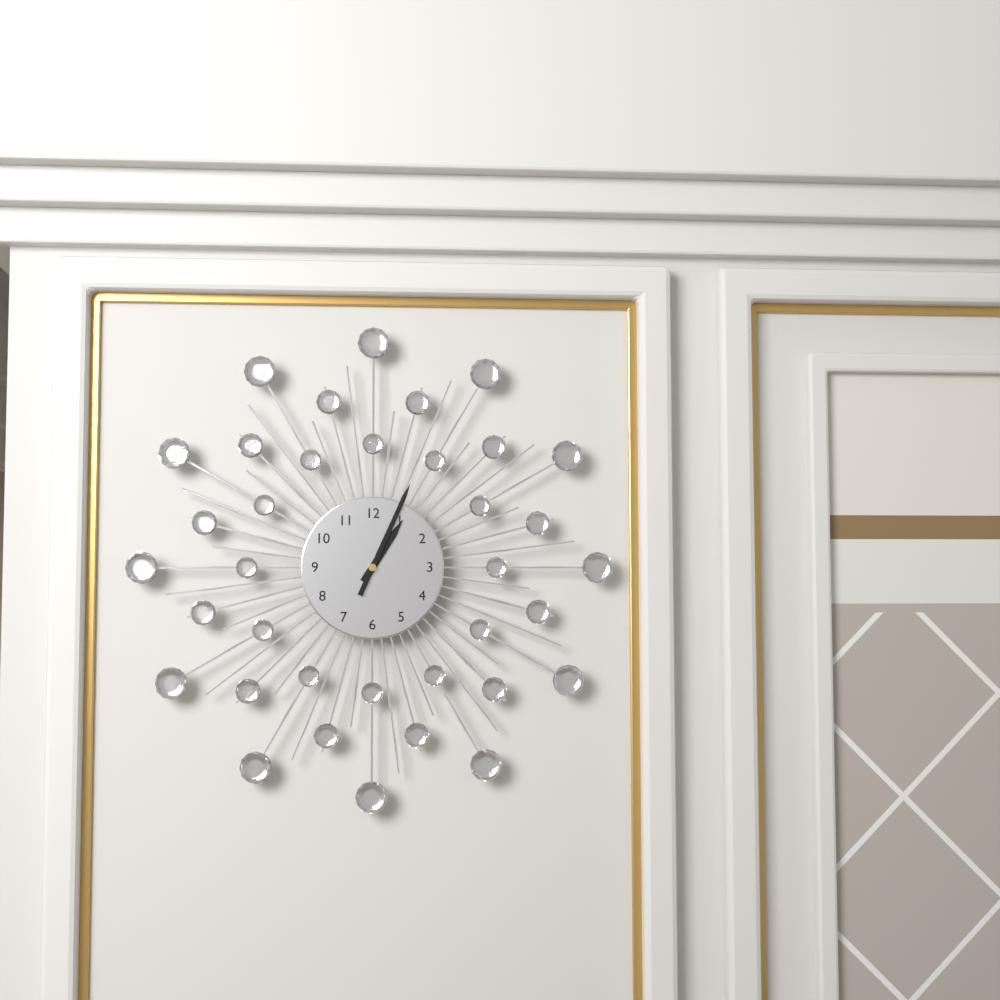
1h04
